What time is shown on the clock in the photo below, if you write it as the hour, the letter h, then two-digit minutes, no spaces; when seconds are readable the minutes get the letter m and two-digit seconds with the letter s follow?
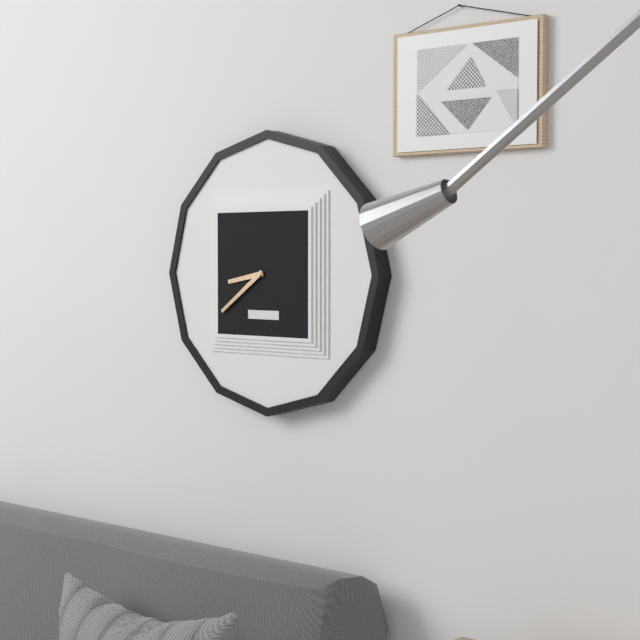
8h39
